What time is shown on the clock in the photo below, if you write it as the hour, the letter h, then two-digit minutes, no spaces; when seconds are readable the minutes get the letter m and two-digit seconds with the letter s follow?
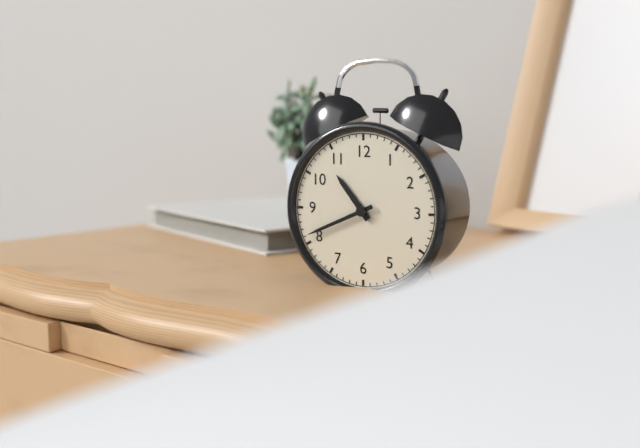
10h41
